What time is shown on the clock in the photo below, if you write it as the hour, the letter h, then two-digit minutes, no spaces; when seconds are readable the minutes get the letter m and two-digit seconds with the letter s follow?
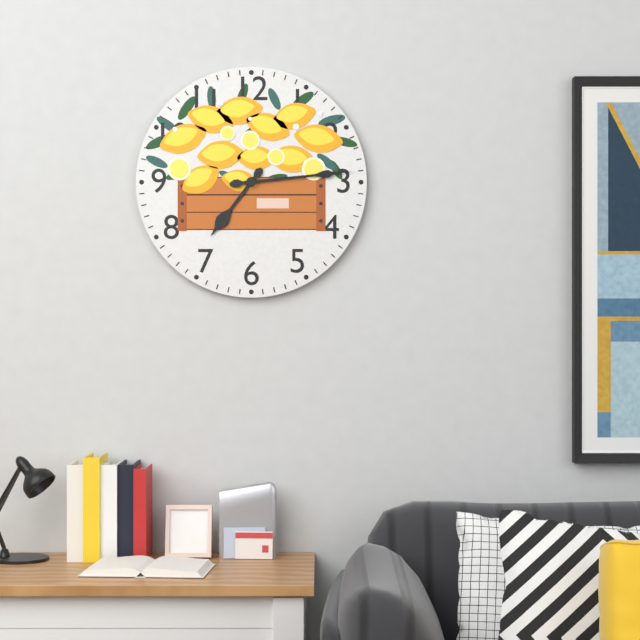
7h14
